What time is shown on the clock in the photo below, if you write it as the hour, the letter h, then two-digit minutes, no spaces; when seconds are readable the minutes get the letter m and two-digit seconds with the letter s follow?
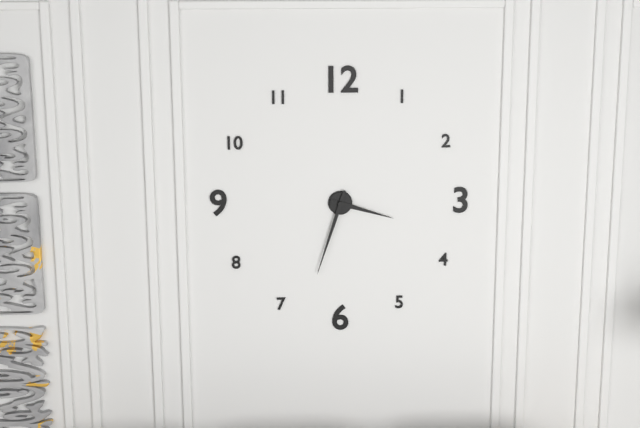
3h33
